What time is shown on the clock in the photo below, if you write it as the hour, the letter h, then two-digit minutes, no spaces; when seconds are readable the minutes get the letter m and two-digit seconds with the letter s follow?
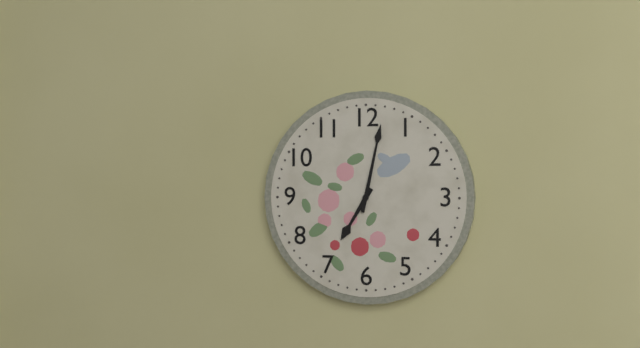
7h02
